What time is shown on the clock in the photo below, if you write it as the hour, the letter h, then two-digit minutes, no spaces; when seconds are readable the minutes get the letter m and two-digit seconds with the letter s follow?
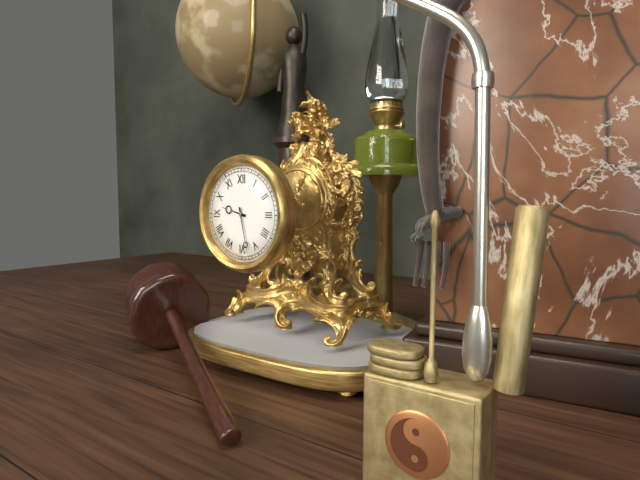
9h28
